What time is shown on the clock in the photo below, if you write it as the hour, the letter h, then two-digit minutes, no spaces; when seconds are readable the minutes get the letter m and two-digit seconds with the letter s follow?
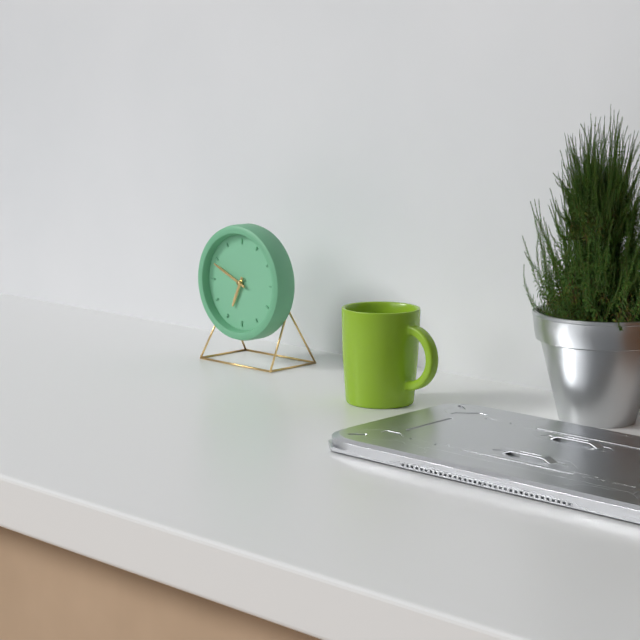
6h49
